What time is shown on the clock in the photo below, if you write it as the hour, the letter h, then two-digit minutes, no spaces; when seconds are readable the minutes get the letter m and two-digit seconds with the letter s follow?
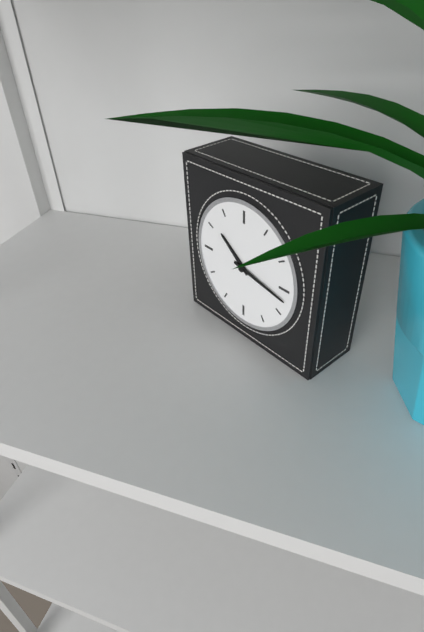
10h17
